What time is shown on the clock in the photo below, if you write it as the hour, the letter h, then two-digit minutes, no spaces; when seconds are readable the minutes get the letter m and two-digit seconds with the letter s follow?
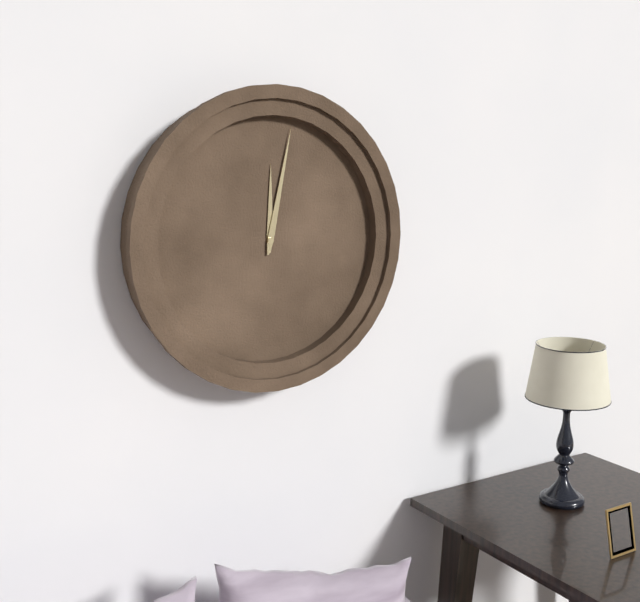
12h02
